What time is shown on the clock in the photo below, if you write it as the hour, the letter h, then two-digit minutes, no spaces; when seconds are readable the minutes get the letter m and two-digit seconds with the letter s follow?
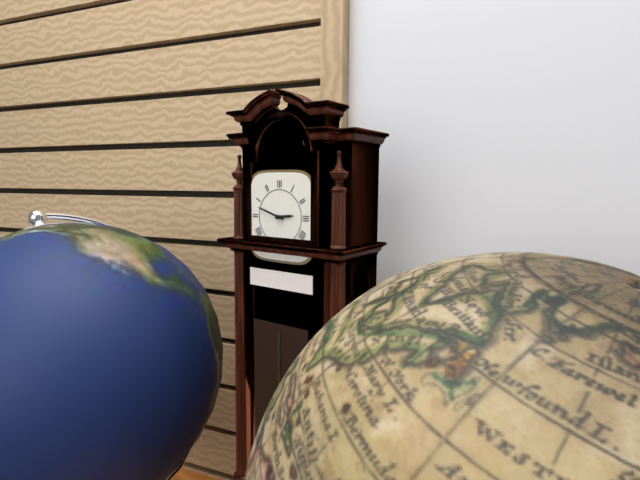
2h48
